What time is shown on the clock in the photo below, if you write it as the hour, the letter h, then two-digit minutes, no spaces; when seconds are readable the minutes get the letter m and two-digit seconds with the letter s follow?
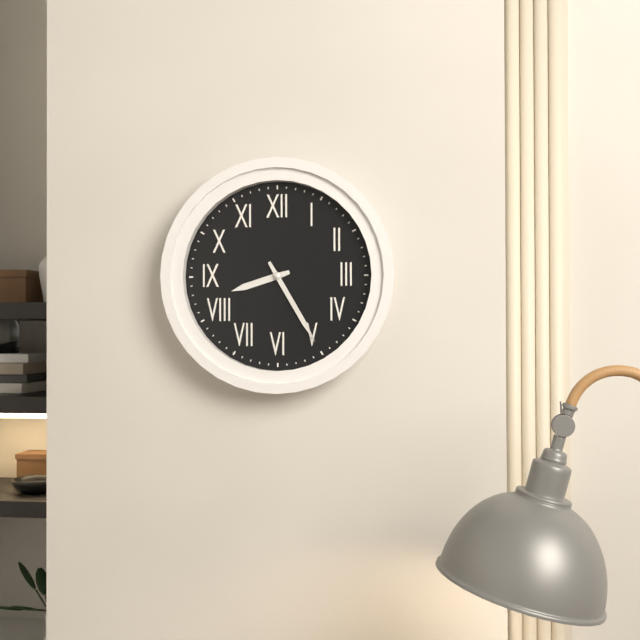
8h25
